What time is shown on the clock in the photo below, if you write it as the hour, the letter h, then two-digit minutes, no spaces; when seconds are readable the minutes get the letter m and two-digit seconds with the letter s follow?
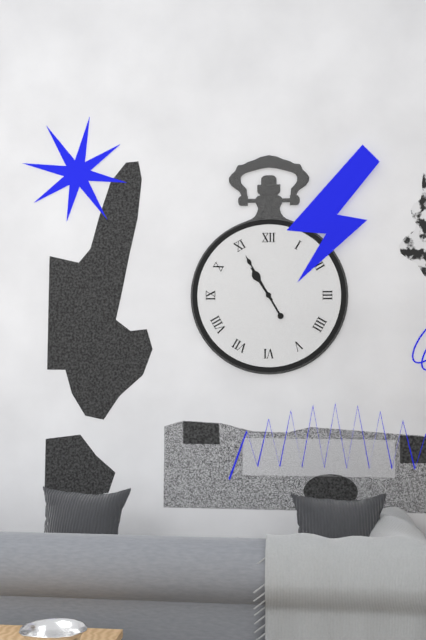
10h55
